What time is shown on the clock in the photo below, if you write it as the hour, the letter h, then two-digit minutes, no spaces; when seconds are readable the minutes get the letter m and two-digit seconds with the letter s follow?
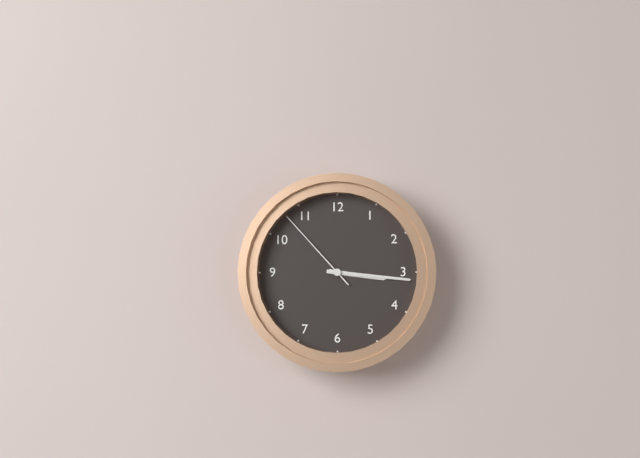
3h16m53s
